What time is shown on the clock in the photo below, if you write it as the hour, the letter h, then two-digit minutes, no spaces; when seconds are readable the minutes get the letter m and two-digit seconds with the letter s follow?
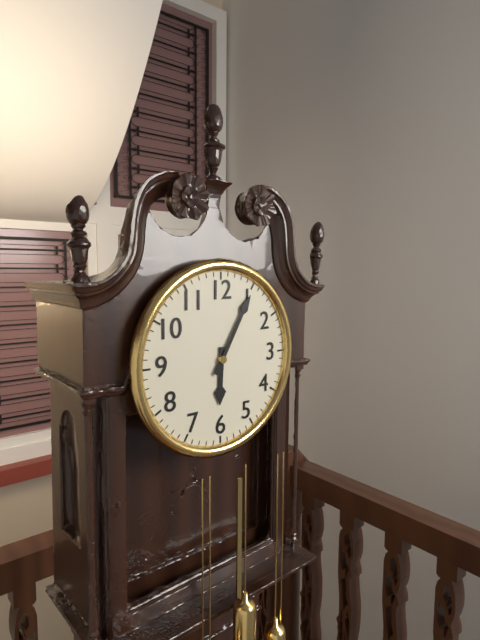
6h05
